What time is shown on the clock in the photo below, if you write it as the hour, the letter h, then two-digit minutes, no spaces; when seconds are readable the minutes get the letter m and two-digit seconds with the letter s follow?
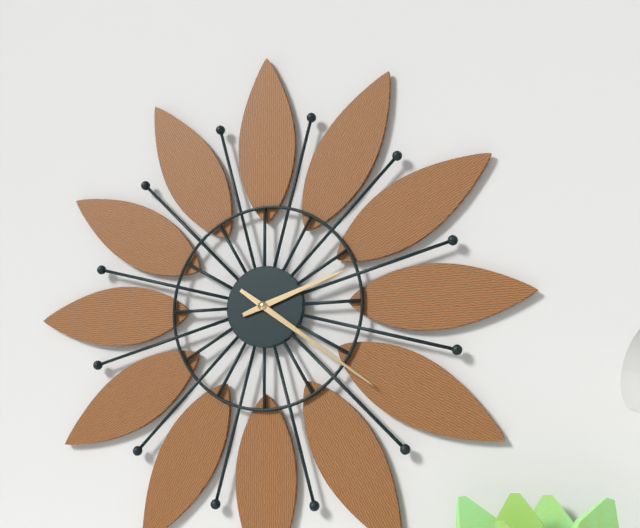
2h21
